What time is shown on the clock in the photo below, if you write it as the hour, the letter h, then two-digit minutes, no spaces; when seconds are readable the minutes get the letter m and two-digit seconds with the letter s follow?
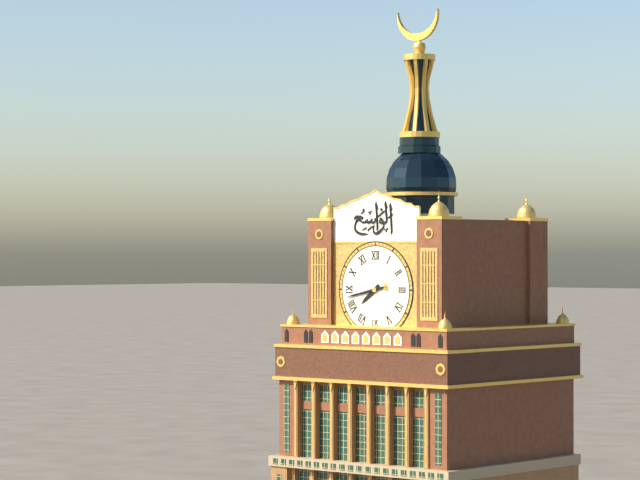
7h43
